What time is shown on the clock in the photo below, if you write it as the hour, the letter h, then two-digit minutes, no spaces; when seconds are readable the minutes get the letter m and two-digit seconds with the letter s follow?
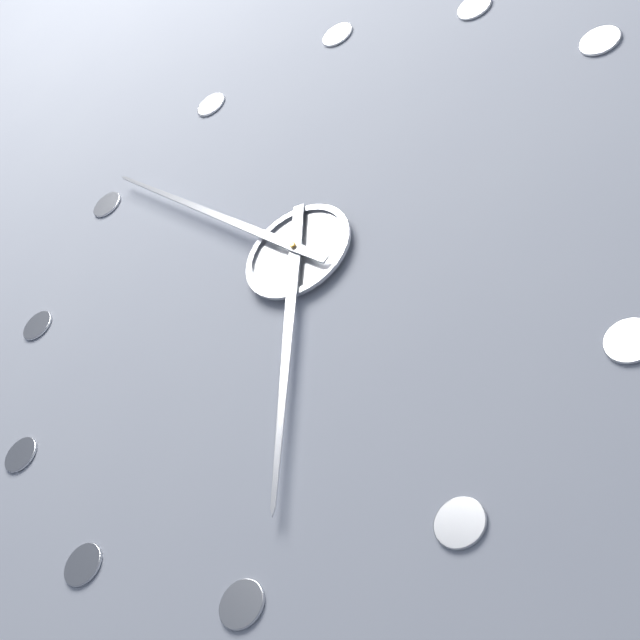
5h51
